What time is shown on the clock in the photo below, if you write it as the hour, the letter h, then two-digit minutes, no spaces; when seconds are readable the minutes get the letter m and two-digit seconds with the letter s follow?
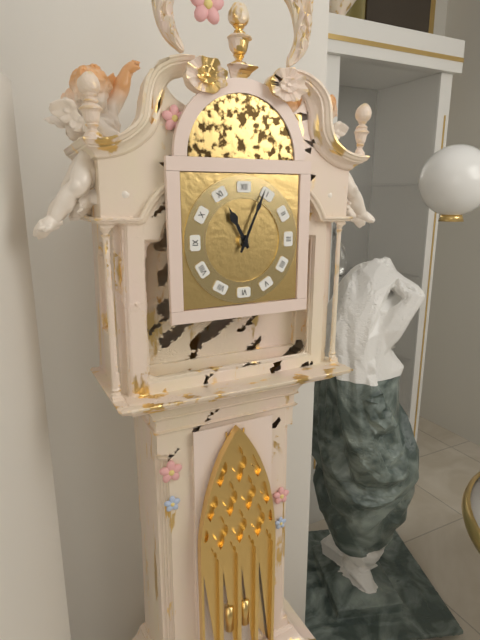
11h04
